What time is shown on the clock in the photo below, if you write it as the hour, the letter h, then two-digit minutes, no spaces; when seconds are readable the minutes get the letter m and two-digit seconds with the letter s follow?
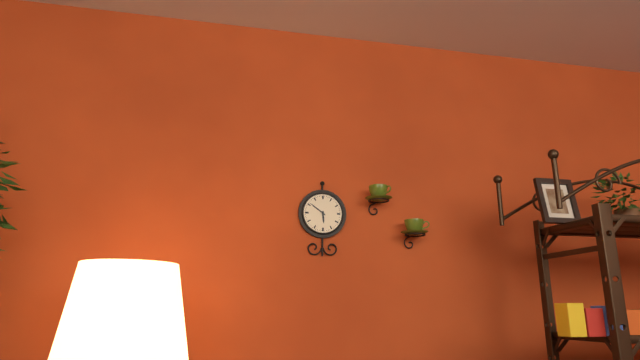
5h51
